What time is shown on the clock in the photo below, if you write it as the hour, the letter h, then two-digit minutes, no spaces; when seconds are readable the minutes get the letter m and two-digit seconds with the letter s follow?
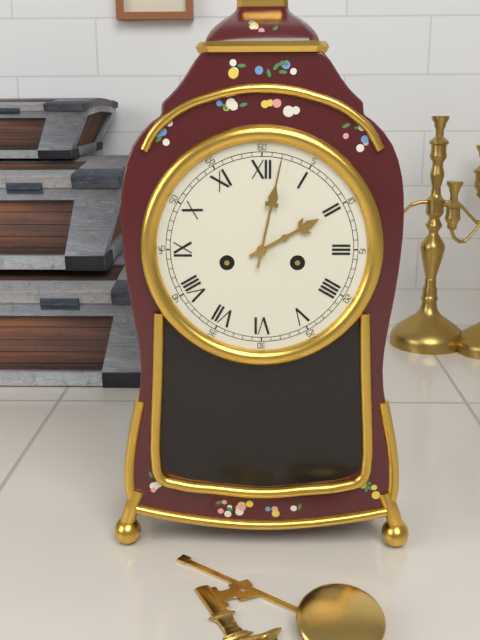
2h02
